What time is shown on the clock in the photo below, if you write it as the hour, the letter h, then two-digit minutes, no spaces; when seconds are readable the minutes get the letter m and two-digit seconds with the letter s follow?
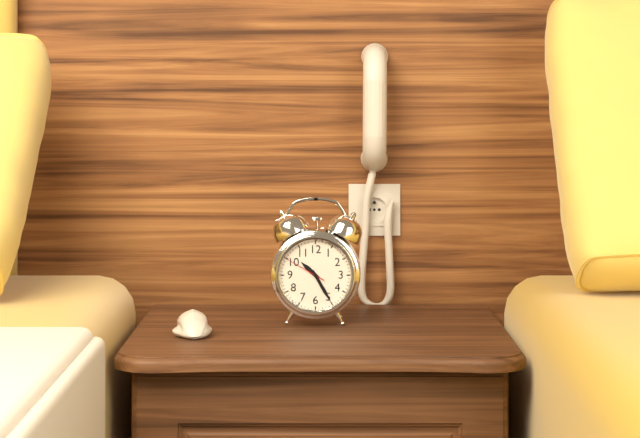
10h25
